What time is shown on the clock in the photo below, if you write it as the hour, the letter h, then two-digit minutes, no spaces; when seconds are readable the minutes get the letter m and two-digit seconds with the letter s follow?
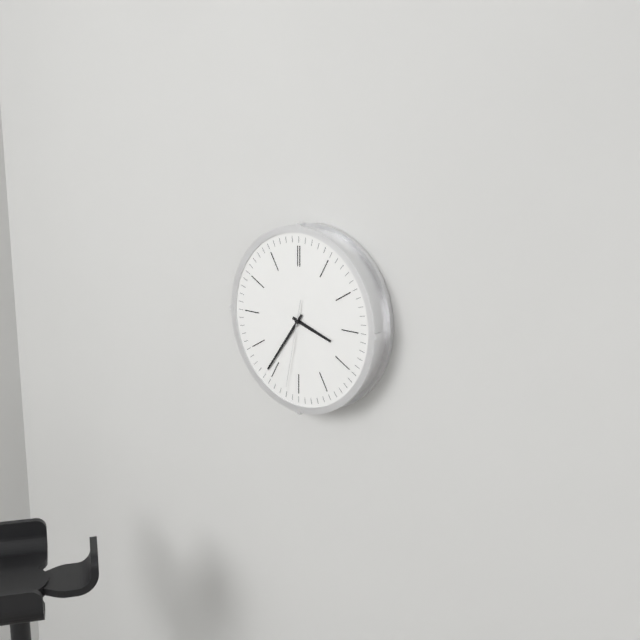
3h36m32s
